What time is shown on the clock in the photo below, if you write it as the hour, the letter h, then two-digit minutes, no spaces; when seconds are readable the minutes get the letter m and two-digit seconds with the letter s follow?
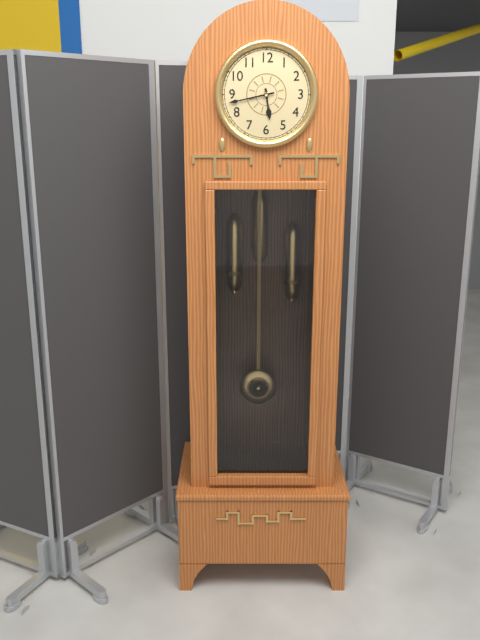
5h43
